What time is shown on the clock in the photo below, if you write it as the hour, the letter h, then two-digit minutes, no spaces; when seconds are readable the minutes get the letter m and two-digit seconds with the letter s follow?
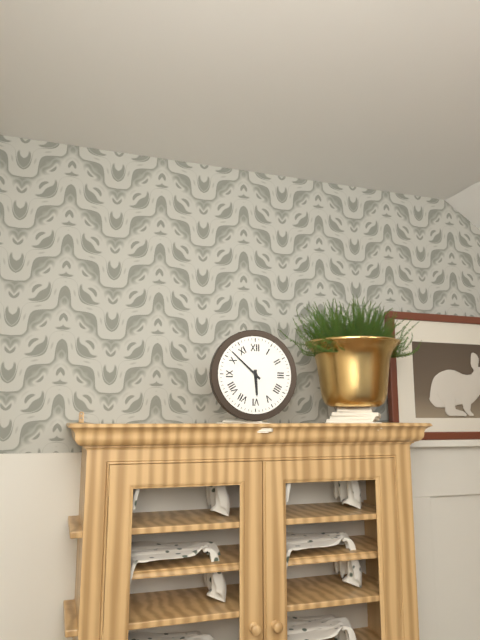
5h52
